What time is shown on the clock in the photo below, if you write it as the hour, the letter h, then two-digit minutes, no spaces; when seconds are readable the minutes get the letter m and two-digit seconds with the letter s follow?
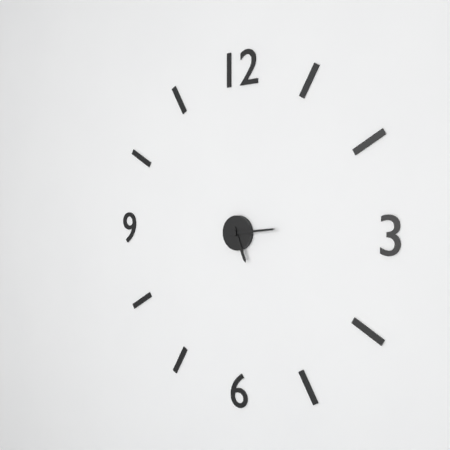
5h14
